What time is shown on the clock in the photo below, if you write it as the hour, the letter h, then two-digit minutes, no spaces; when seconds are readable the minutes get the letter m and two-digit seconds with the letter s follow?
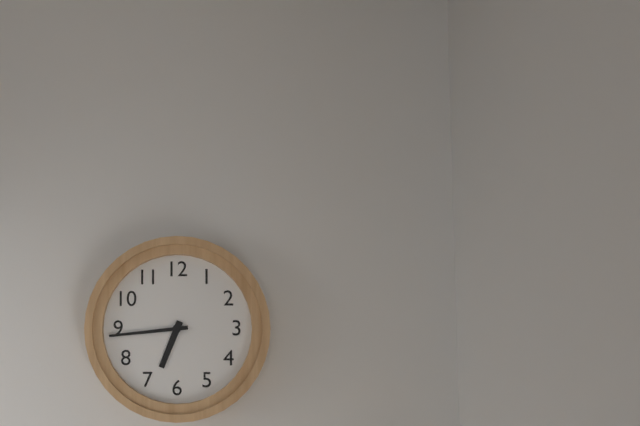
6h44
